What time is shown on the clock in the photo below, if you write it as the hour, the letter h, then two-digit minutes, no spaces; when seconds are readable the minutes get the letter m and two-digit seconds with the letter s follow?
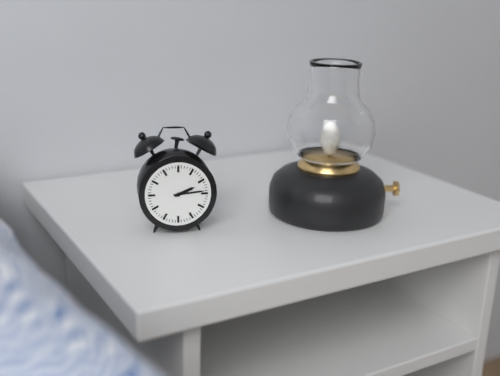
2h14
